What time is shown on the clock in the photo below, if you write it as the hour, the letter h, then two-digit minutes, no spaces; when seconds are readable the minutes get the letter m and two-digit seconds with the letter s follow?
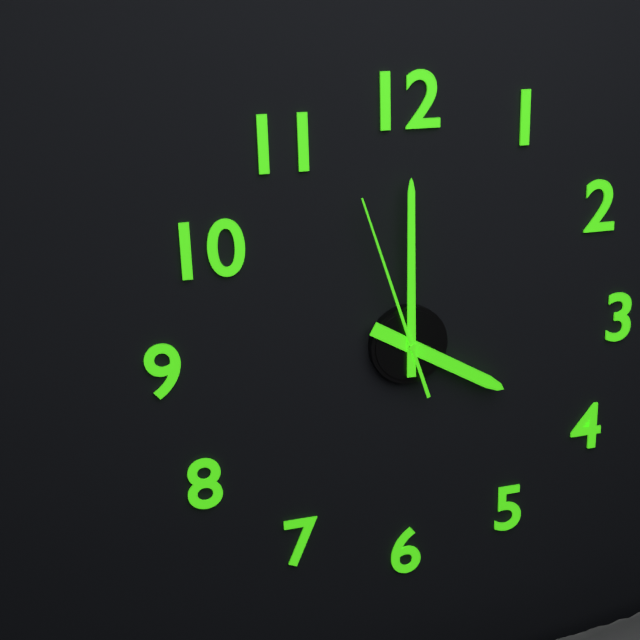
4h00m57s
